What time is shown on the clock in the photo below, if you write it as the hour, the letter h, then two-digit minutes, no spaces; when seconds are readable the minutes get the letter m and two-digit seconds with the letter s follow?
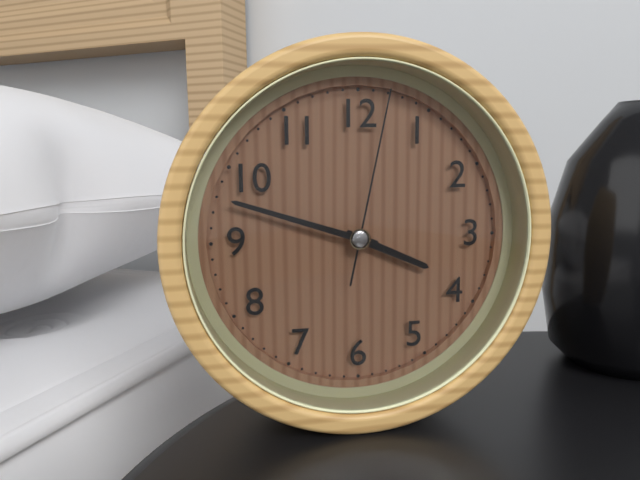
3h48m02s
